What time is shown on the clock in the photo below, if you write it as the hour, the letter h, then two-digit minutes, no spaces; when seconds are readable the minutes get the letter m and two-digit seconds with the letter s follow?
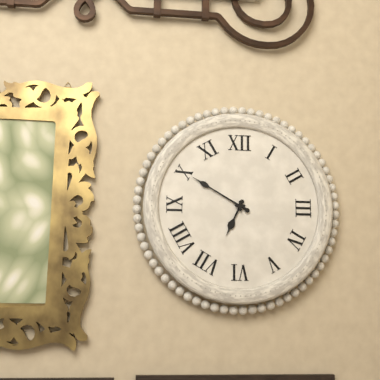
6h50
